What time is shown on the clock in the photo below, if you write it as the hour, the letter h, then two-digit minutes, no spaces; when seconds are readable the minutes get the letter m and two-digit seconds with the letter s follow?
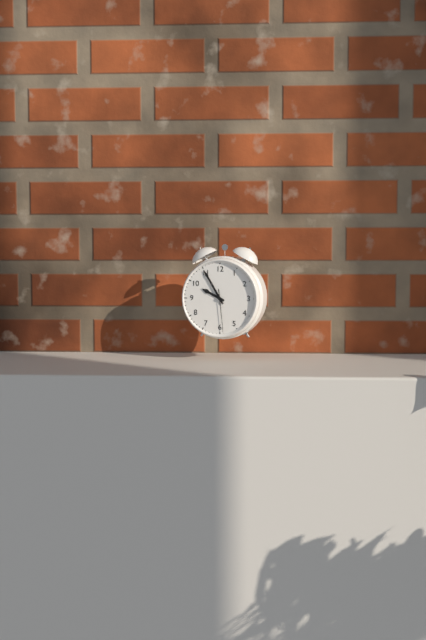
9h55
